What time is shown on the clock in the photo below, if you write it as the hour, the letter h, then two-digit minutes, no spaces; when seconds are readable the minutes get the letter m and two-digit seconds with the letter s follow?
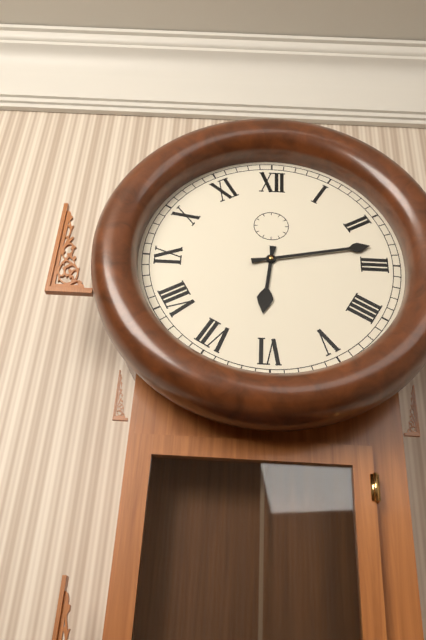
6h13
